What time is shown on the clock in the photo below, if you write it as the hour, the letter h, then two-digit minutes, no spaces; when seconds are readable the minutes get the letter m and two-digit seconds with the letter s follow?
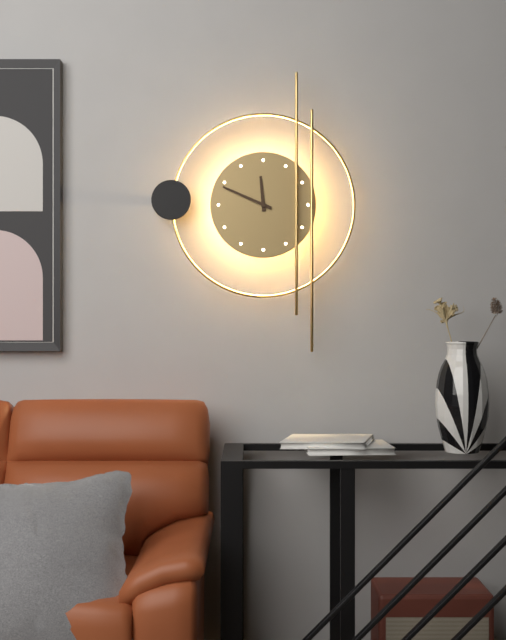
11h49
